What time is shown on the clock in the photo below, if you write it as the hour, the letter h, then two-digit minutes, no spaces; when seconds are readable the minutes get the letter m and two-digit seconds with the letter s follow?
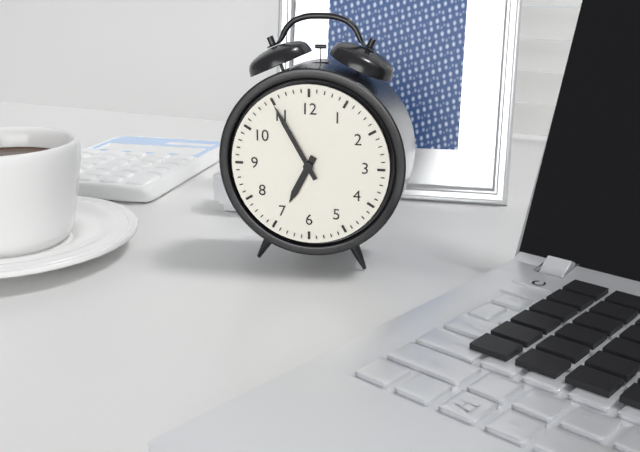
6h55
